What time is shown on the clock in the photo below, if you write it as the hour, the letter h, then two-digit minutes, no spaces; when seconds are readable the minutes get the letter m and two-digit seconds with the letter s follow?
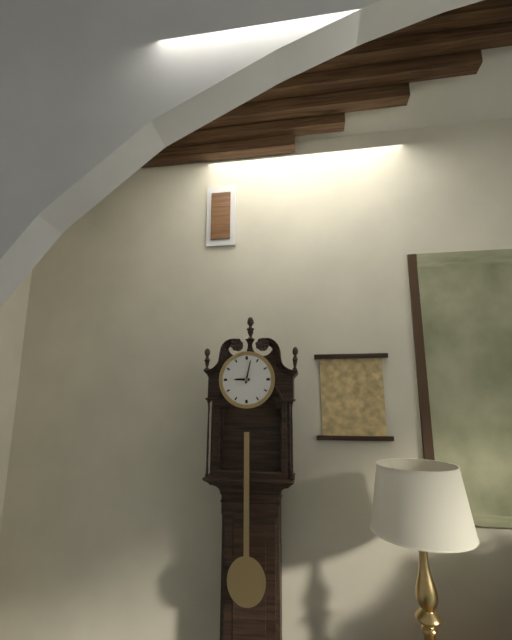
9h02
